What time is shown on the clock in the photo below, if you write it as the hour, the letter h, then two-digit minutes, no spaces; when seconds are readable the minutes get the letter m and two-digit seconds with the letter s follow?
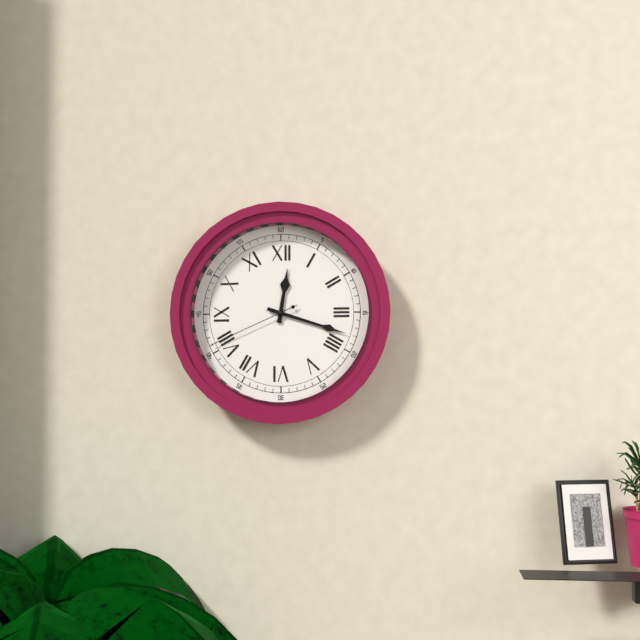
12h18m41s
